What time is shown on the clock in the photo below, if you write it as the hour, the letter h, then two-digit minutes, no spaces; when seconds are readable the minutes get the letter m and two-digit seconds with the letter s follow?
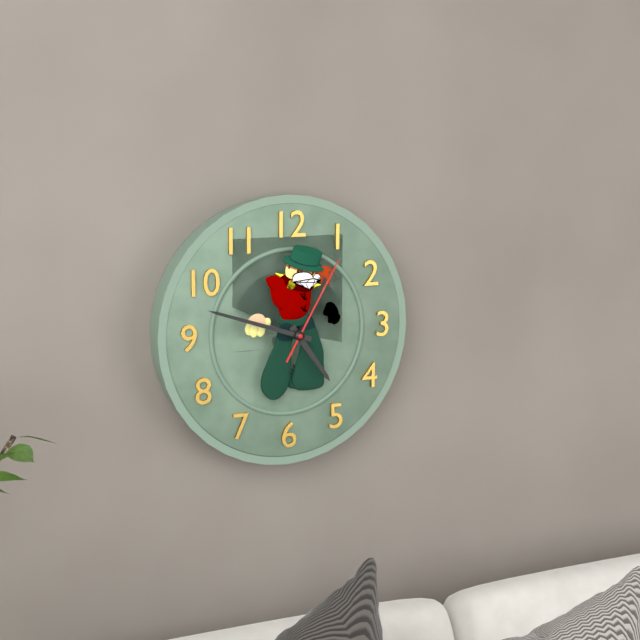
4h48m05s
